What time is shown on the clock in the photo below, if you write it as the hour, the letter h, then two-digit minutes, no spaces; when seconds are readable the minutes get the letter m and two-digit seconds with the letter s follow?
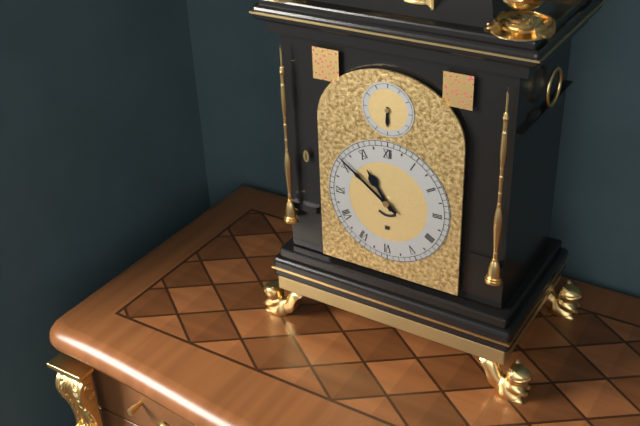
10h51
